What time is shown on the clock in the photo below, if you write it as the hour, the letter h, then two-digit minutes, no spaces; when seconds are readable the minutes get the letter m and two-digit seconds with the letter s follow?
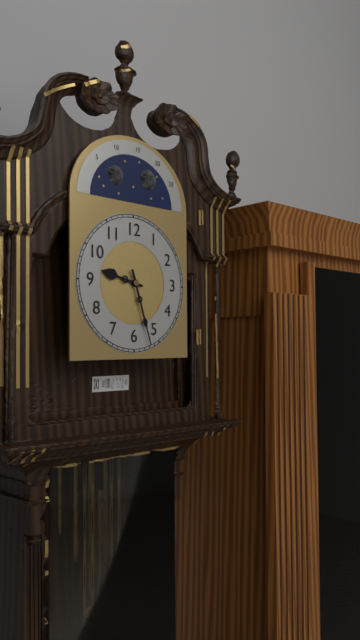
9h27
